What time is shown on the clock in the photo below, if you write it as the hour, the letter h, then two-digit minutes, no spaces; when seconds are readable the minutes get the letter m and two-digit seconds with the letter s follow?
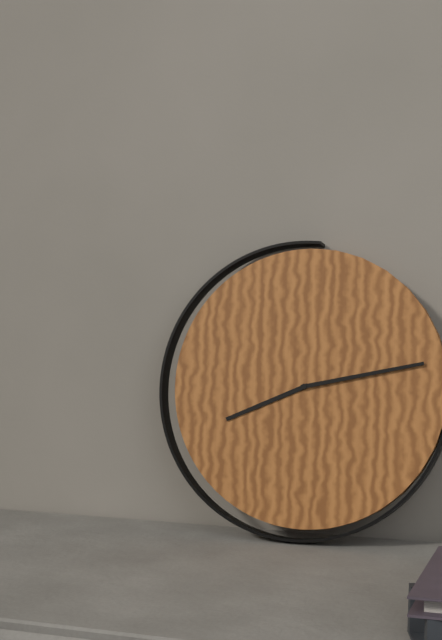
8h13
